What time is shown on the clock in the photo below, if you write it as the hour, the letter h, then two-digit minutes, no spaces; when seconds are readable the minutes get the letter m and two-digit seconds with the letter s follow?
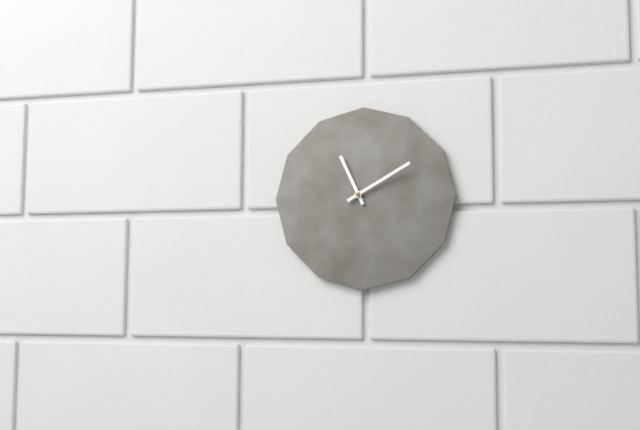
11h10
